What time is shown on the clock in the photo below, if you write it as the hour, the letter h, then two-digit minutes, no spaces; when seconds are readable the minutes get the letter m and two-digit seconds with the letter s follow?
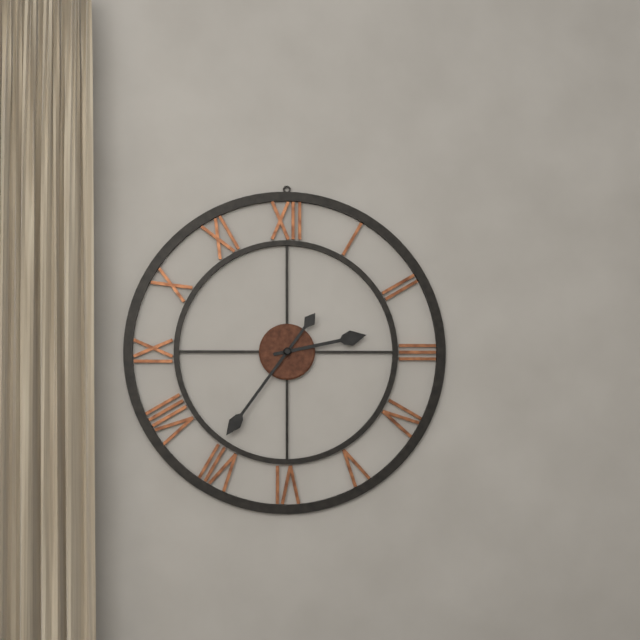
2h36
